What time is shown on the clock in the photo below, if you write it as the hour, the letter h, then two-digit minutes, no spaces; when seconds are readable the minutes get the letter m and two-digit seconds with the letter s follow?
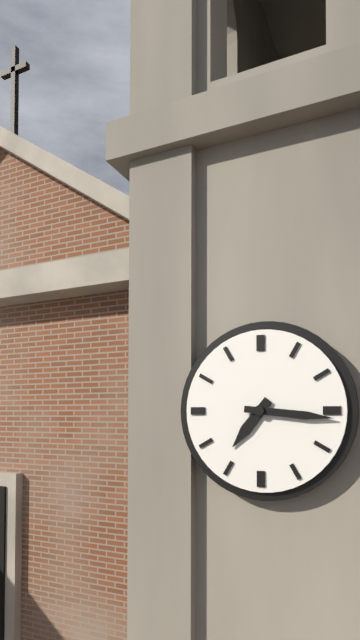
7h16
